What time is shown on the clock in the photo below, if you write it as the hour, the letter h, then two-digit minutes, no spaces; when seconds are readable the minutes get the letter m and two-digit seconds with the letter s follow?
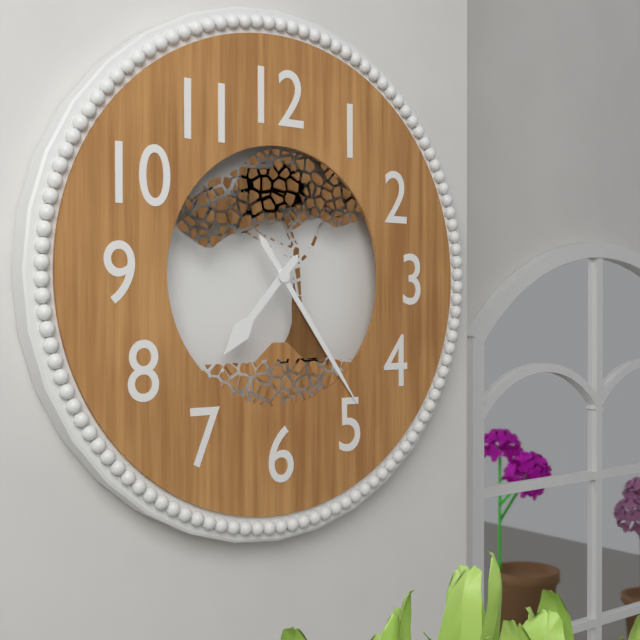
7h24
